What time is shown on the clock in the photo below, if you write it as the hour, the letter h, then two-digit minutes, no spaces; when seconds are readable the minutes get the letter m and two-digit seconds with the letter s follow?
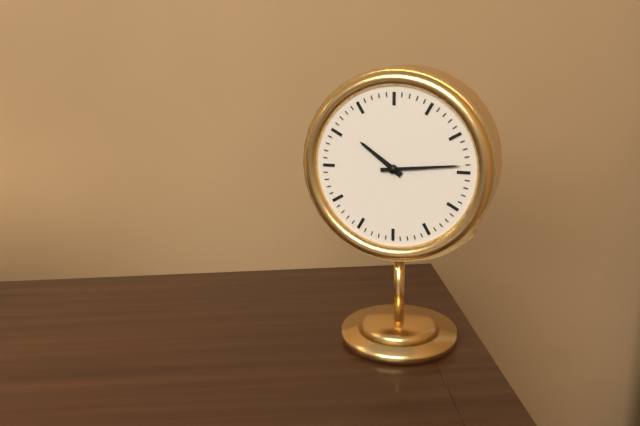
10h14
